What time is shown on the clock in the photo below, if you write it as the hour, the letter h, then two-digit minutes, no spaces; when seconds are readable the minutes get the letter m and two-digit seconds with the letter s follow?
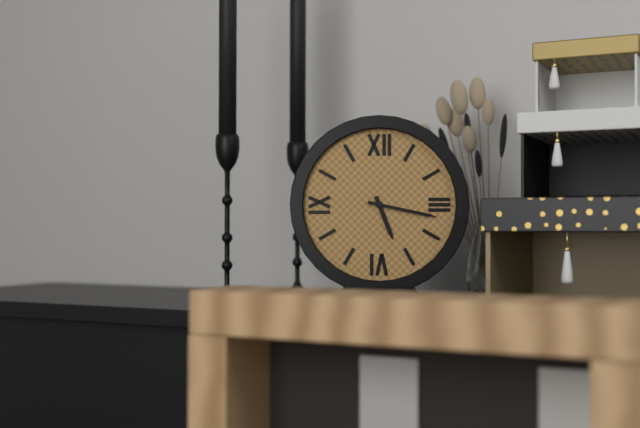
5h17
